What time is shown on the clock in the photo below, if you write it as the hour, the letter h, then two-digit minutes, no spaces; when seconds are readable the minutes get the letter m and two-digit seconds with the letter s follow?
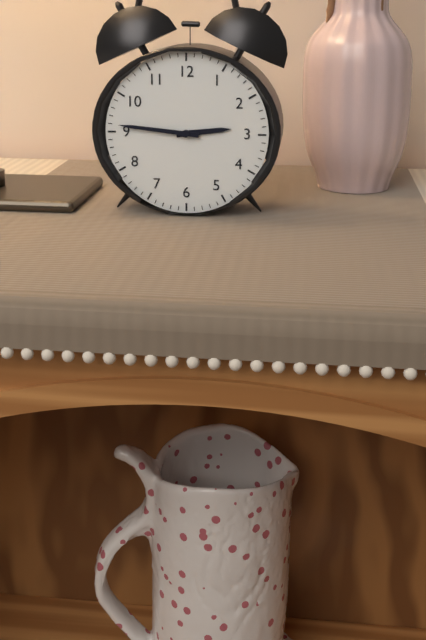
2h46
